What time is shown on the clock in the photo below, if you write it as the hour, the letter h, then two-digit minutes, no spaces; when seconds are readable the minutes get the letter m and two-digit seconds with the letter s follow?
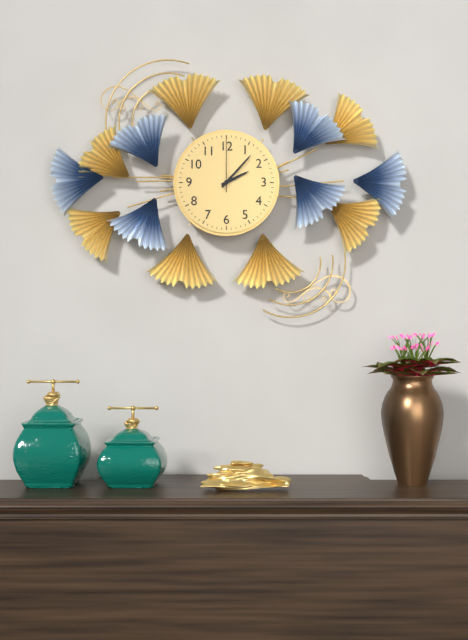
2h07m00s
